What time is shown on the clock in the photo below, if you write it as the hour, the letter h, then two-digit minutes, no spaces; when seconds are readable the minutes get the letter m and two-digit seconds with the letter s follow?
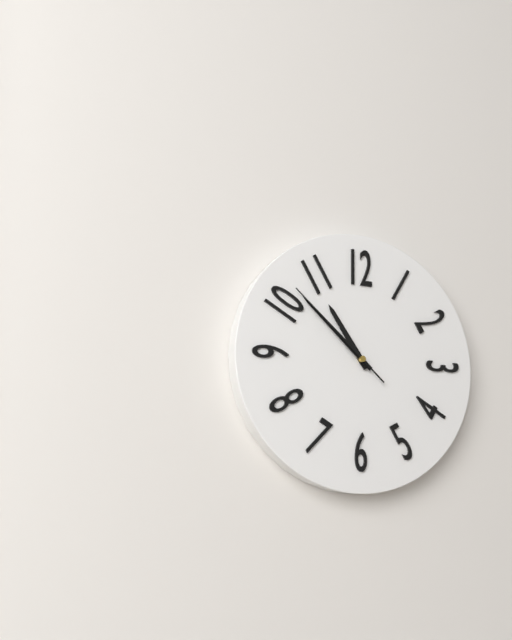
10h52m52s
